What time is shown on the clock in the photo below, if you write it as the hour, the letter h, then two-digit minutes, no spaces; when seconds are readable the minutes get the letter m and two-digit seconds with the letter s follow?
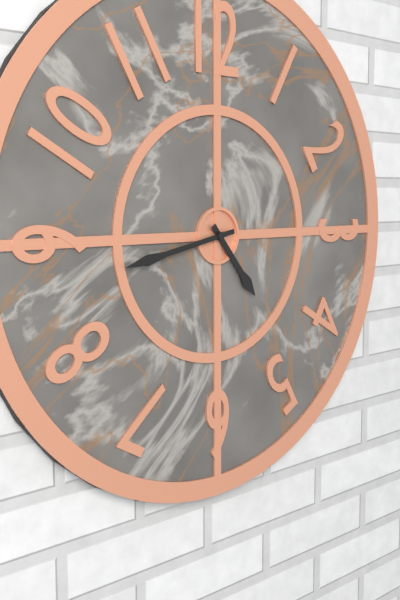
4h43
